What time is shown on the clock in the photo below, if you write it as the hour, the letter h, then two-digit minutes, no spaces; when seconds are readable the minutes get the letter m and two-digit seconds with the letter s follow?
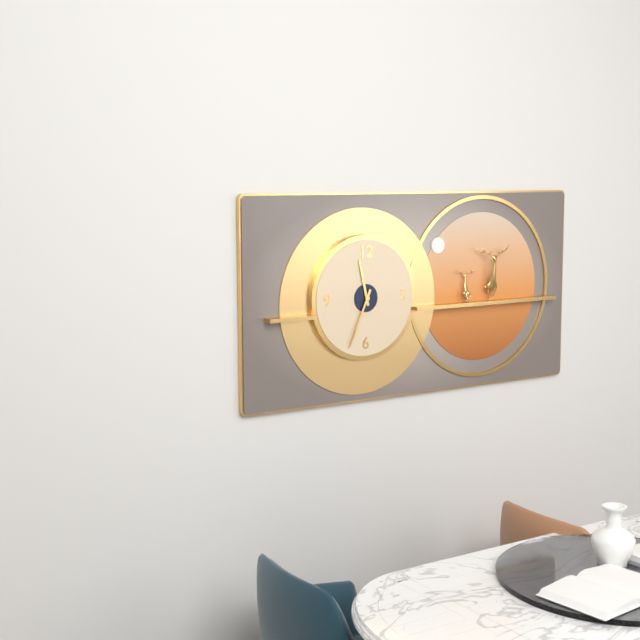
11h34
